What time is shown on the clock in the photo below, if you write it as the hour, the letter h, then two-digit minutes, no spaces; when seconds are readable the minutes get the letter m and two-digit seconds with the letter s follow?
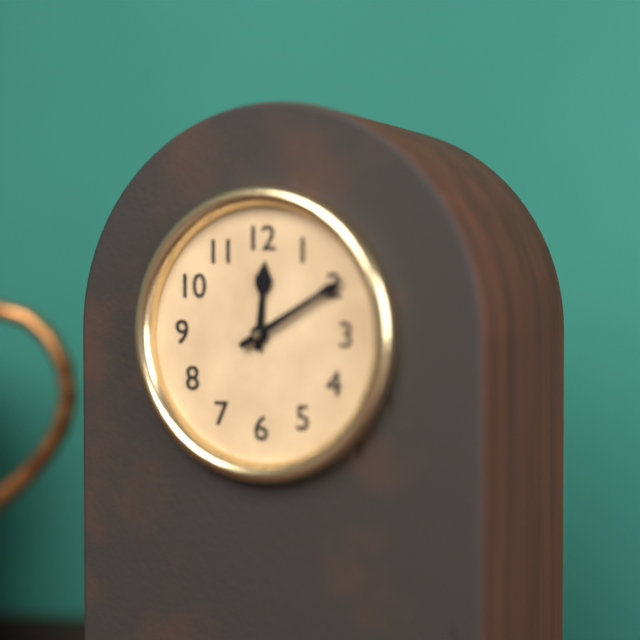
12h10
